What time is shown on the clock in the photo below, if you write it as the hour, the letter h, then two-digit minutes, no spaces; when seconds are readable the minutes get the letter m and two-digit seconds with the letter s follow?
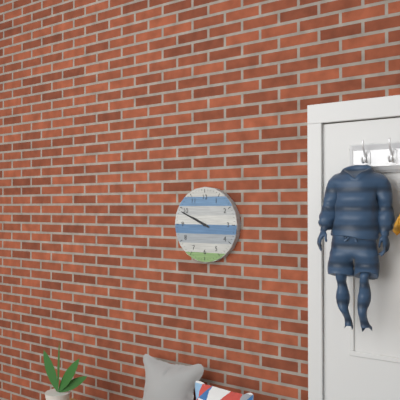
9h49
